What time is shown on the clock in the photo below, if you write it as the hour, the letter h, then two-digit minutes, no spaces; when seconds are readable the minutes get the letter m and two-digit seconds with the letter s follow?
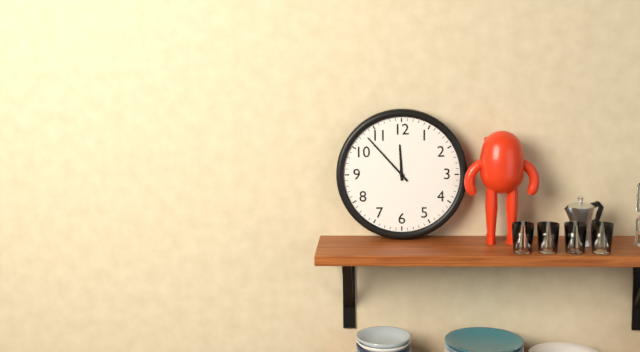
11h53
